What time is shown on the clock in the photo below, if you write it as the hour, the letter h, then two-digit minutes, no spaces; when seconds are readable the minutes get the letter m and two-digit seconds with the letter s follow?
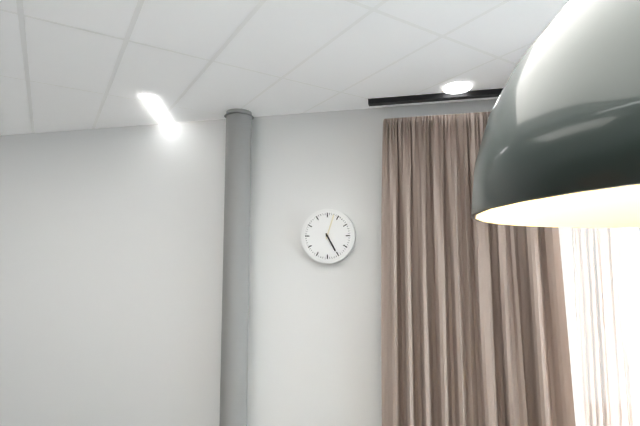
5h03
